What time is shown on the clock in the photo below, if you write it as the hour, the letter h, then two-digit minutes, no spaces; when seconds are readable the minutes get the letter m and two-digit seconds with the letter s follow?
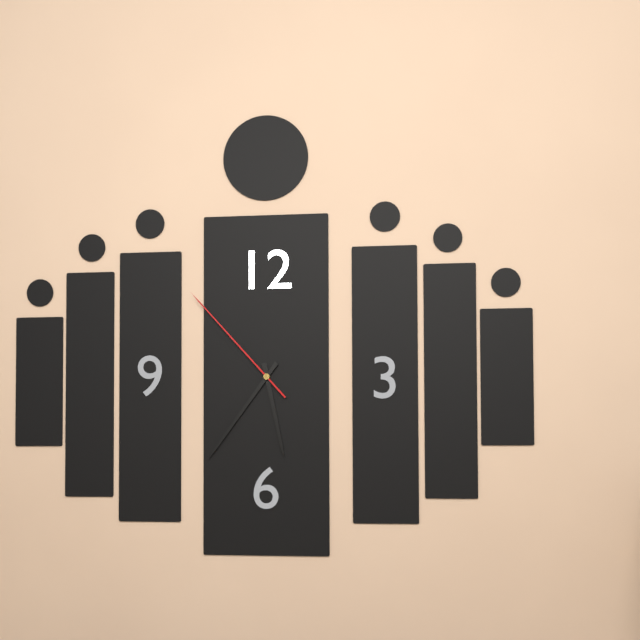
5h36m53s
